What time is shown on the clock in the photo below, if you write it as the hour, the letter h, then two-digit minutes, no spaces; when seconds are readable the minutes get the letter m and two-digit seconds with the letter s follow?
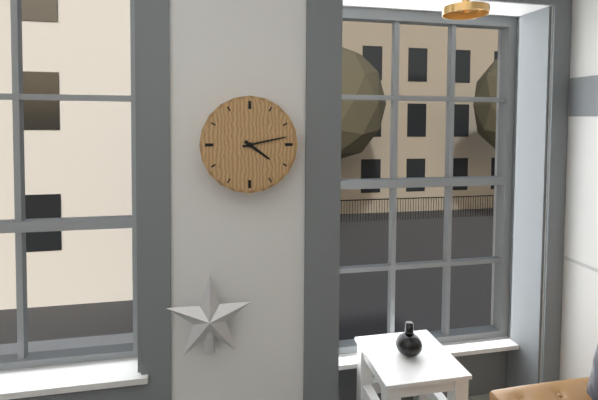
4h13
